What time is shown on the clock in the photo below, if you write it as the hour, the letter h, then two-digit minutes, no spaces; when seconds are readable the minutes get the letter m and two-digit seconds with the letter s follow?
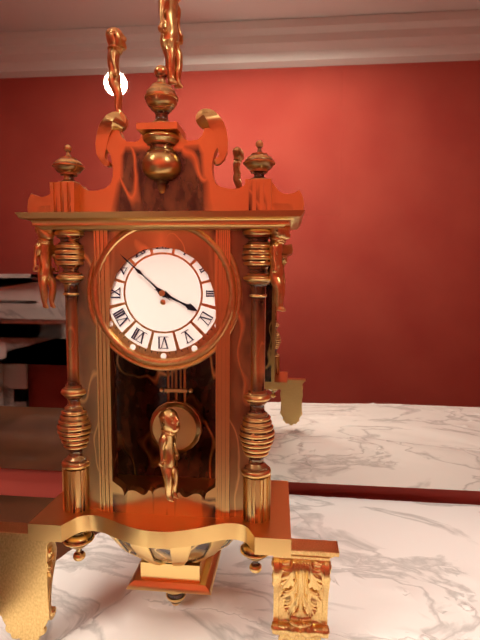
3h52
